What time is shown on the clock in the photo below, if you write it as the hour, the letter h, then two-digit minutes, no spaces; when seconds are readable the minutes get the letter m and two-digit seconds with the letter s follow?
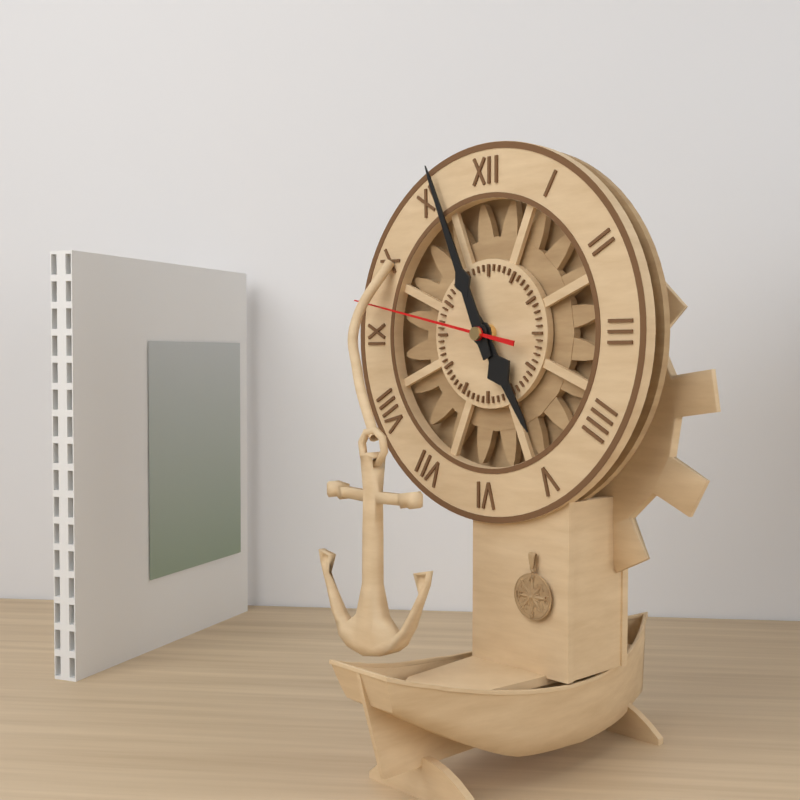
4h56m47s
